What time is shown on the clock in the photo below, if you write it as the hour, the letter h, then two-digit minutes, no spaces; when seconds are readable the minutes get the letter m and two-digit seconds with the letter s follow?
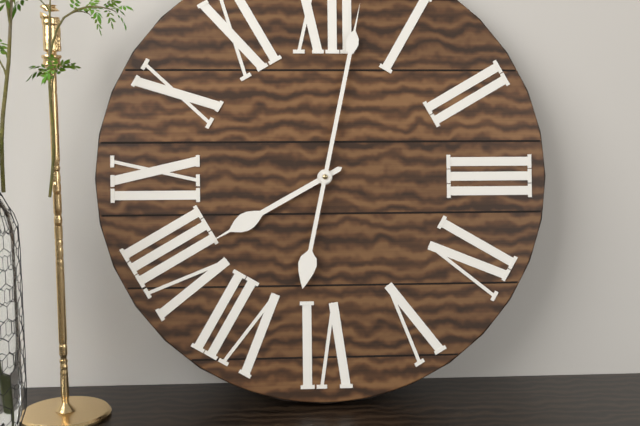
8h02
